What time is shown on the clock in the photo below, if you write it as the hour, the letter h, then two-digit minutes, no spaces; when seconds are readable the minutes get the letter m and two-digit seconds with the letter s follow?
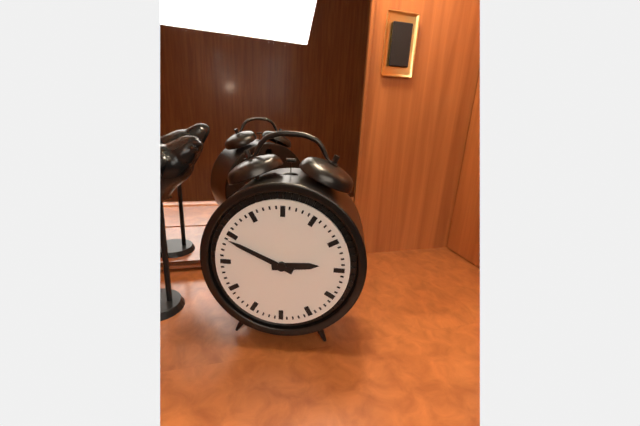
2h49
